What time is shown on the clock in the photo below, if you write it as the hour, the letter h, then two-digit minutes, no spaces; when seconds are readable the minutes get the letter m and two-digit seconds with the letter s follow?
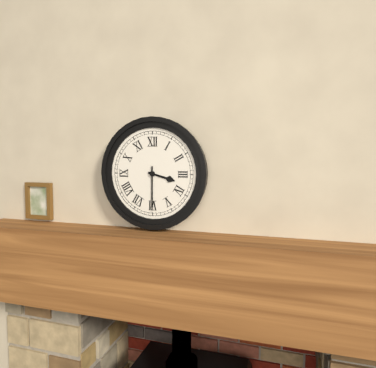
3h30
